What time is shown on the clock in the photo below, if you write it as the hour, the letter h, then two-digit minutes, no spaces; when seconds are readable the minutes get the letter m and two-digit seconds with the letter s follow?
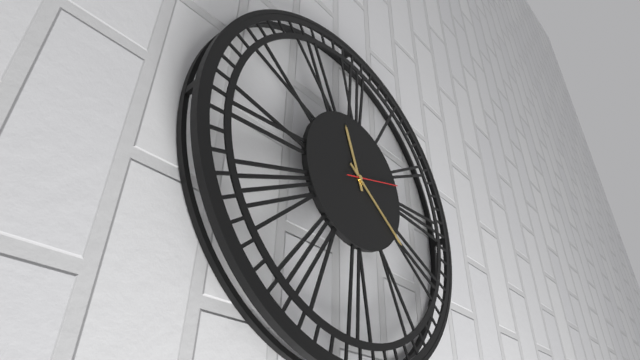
11h21m12s
